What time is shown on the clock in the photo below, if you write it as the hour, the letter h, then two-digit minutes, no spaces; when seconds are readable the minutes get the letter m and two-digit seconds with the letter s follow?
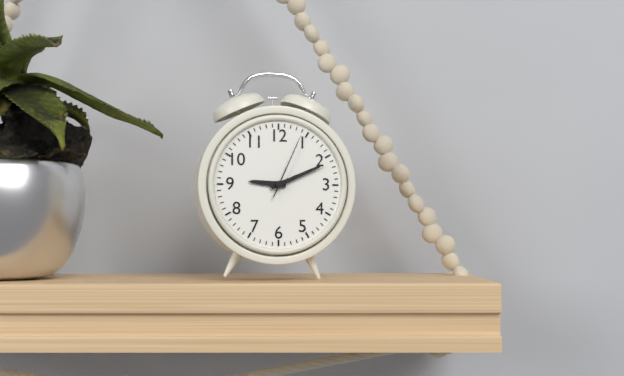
9h11m04s
